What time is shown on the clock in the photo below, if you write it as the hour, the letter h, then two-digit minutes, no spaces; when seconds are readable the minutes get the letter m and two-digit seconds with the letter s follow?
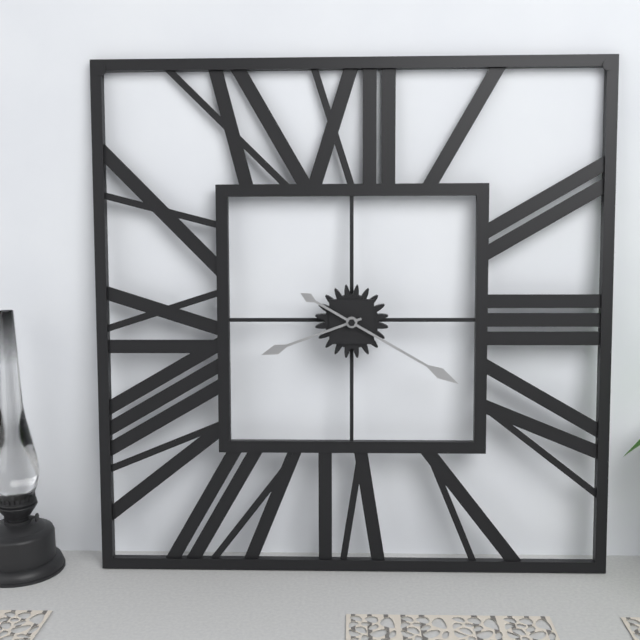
8h20
